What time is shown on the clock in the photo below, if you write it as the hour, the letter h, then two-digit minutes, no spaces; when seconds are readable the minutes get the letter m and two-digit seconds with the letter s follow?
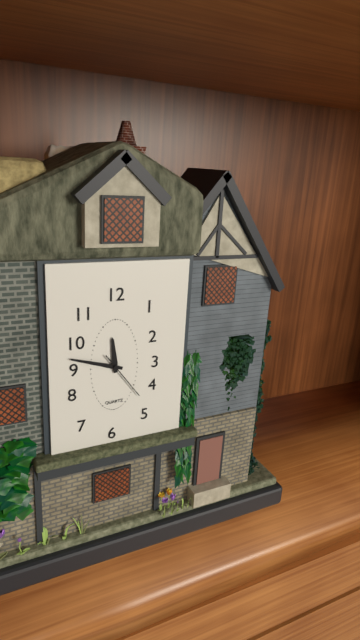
11h48m24s
